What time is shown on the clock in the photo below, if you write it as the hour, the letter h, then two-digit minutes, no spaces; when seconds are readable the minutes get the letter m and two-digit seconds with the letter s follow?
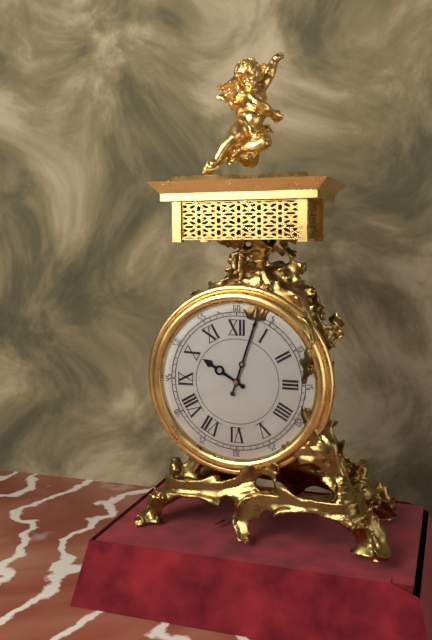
10h03
